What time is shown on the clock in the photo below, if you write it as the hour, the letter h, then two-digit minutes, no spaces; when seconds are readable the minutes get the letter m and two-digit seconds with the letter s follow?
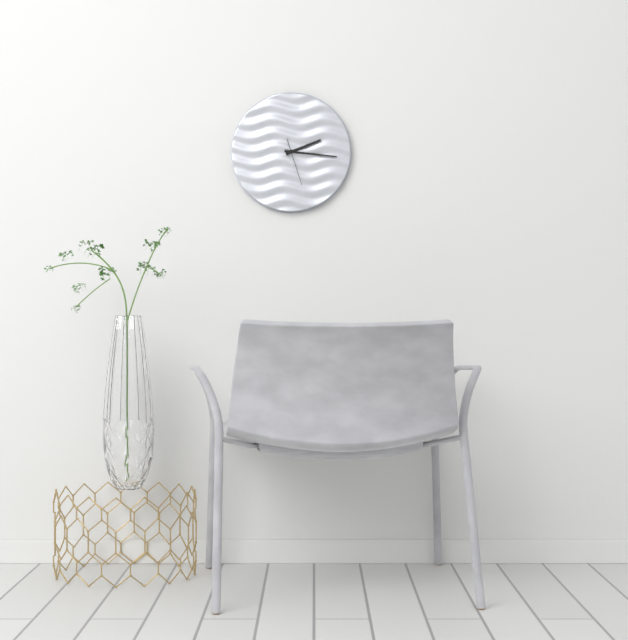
2h16
